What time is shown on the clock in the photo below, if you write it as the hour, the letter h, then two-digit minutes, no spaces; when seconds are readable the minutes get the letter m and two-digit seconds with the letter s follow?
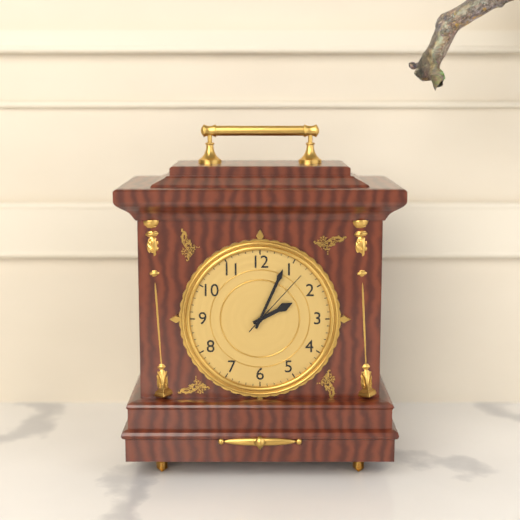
2h04m07s
